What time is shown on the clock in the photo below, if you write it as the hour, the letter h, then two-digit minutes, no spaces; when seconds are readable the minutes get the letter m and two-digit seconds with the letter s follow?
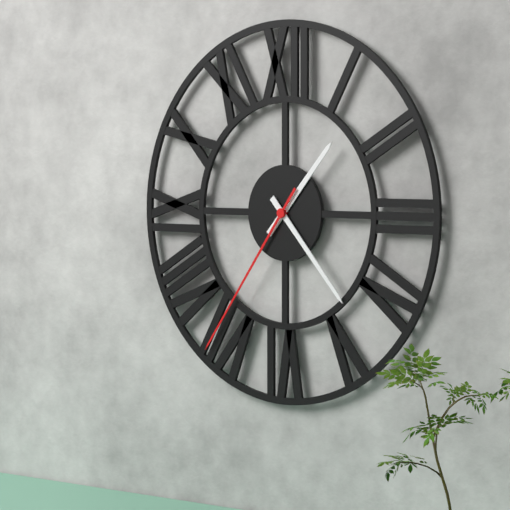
1h23m36s
